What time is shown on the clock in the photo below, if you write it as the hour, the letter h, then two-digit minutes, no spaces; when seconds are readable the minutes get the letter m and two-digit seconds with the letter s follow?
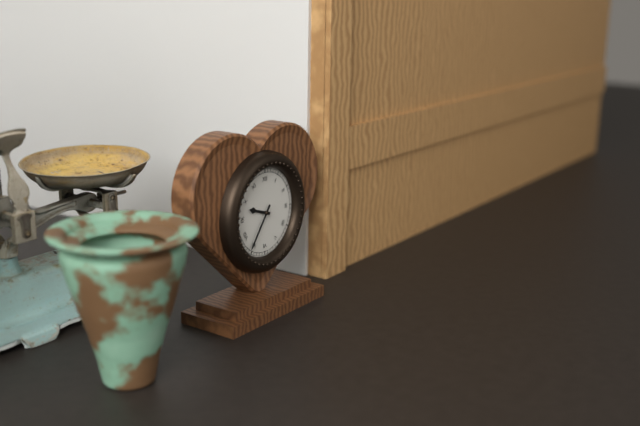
9h36
